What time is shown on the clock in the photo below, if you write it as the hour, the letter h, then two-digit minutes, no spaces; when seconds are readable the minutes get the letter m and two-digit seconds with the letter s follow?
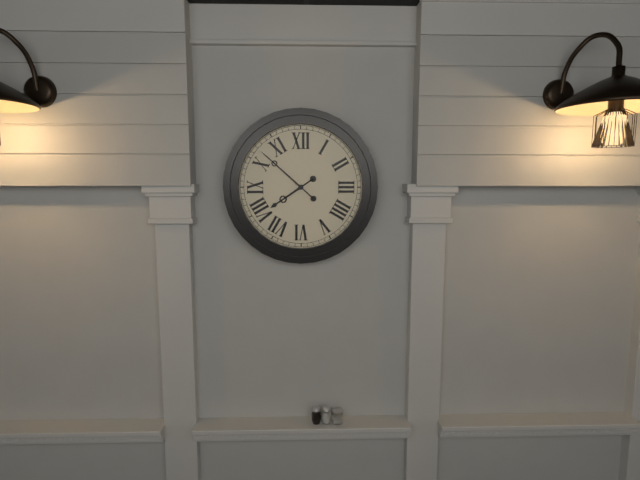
7h52
